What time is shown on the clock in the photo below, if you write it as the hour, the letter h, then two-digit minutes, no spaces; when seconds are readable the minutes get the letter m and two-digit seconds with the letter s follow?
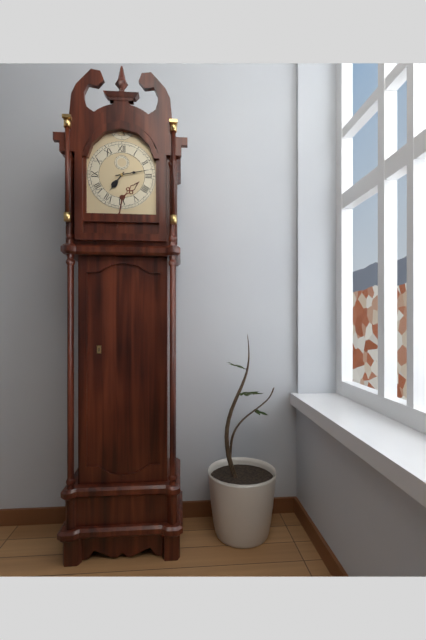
7h13
